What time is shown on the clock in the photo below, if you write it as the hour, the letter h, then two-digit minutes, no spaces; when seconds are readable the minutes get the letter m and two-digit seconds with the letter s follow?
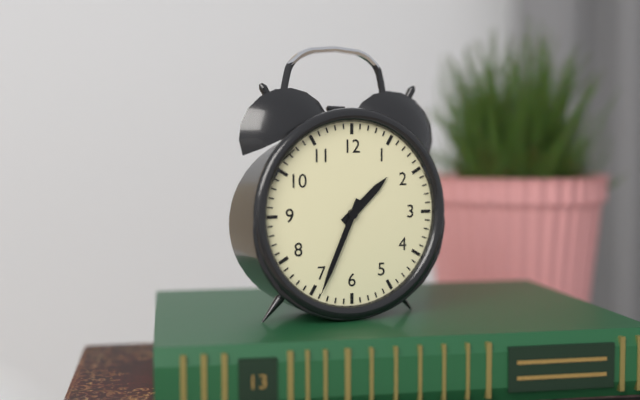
1h34
